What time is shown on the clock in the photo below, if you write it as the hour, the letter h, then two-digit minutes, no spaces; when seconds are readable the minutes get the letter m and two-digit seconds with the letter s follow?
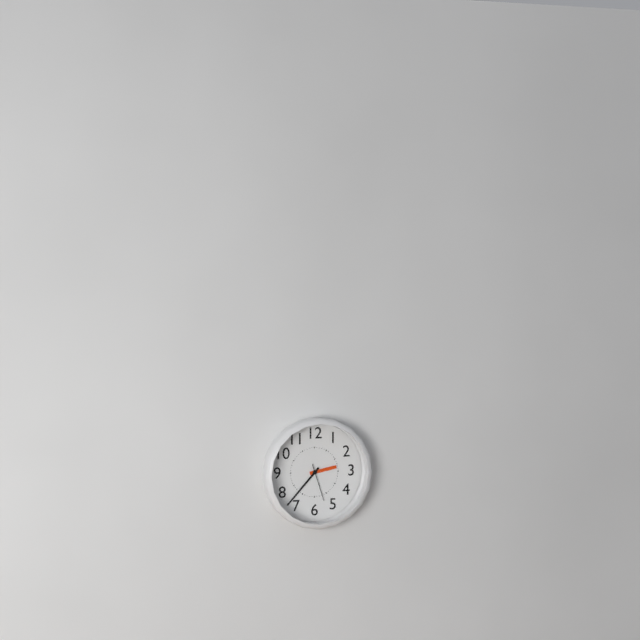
2h37
